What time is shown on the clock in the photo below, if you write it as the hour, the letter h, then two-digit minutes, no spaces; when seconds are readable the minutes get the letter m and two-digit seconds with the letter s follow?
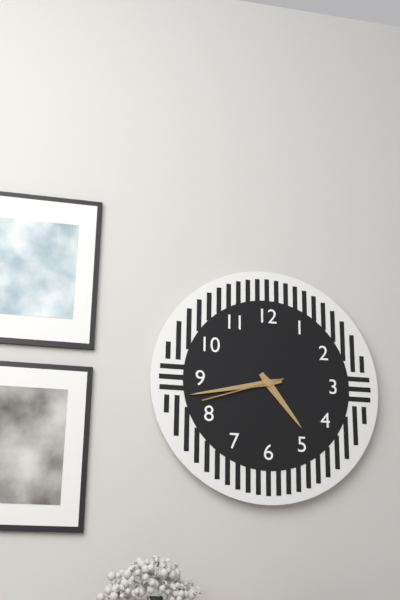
4h43m42s
